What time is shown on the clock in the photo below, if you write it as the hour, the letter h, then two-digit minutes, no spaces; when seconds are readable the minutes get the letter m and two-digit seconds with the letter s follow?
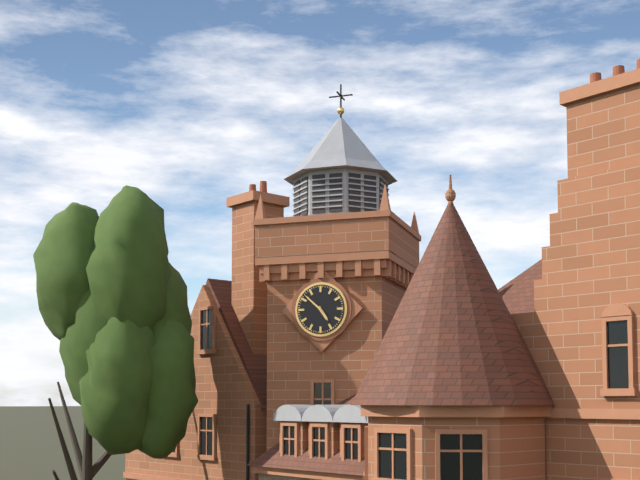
4h52
